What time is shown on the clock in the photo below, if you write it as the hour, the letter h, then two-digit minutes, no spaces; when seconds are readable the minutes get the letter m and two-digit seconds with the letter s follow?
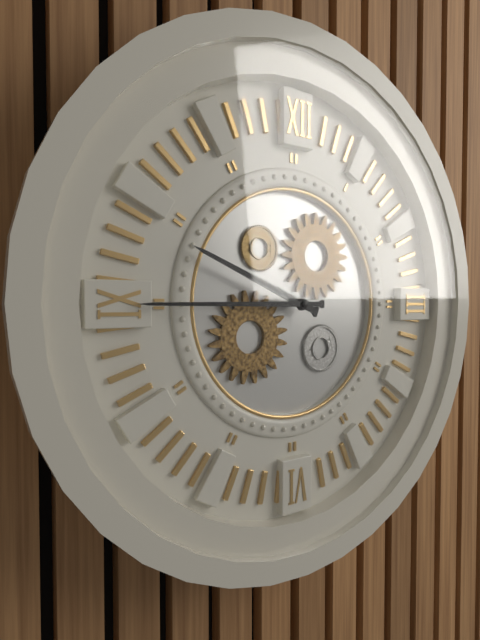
9h45
